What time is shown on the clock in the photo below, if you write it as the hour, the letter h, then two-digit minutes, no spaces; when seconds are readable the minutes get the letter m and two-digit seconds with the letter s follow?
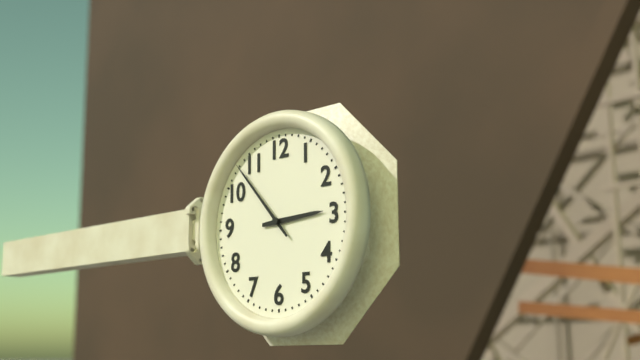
2h53
